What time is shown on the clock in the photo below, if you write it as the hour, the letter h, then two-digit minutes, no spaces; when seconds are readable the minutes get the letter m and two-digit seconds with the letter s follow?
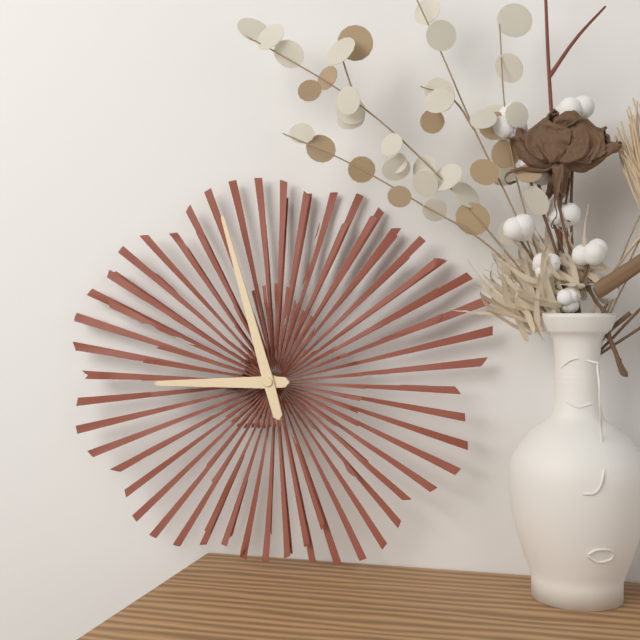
8h57
